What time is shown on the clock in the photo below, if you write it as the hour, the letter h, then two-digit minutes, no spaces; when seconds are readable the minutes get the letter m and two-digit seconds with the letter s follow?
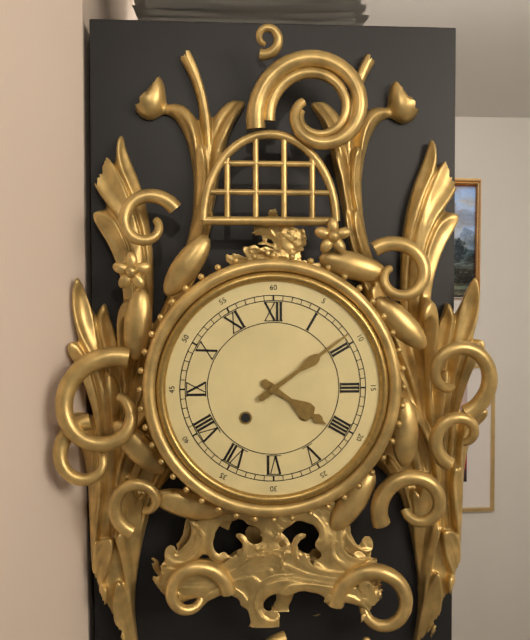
4h09
